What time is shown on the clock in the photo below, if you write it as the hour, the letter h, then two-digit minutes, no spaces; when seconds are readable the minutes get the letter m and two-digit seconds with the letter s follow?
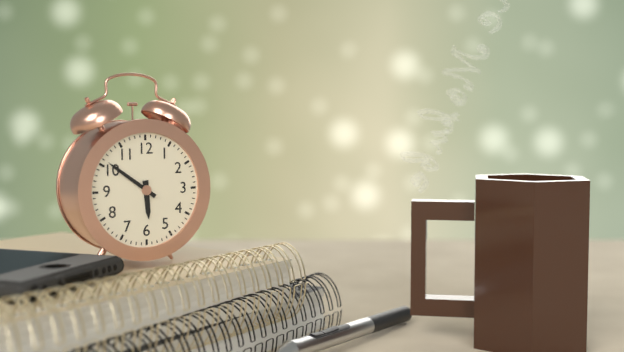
5h51
